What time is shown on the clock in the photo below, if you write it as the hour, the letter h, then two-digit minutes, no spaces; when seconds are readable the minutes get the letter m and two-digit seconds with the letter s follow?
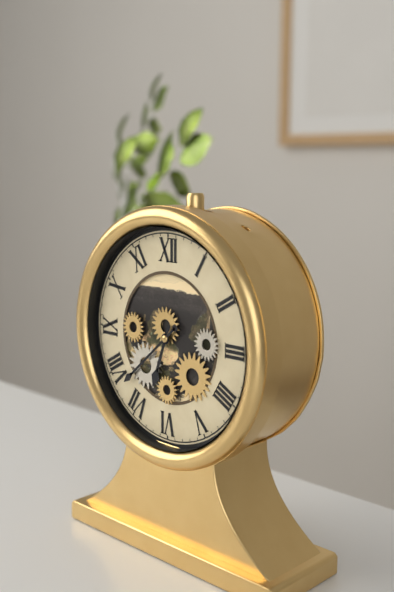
6h38
